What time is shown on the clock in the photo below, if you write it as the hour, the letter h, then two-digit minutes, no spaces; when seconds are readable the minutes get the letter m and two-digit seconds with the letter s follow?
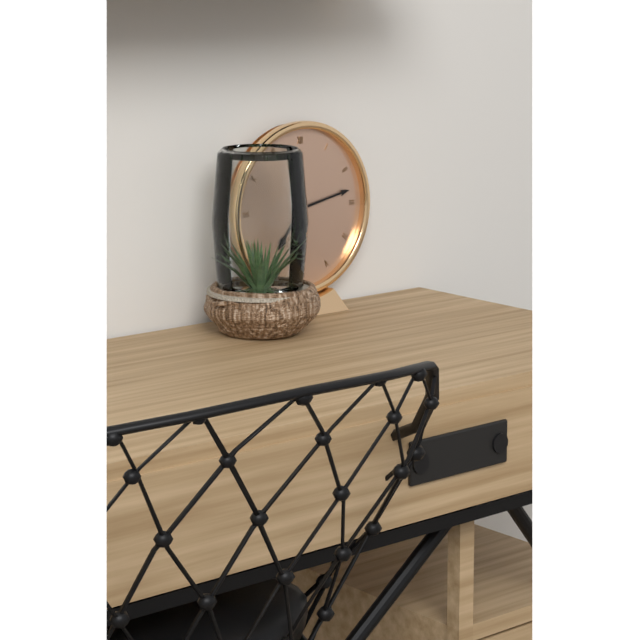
7h13
